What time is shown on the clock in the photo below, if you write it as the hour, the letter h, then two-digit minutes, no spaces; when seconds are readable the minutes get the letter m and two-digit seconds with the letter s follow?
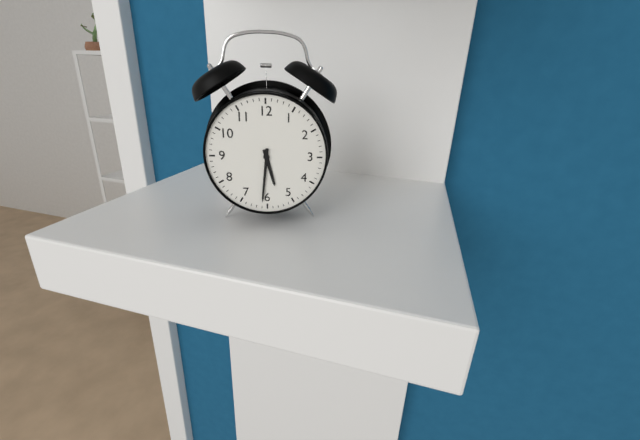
5h31
